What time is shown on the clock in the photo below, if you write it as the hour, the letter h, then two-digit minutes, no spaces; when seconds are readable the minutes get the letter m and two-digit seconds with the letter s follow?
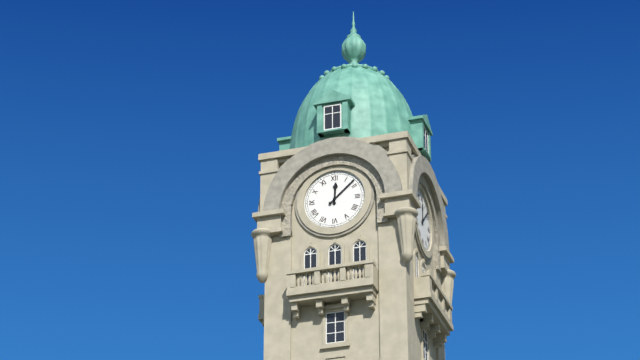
12h08
